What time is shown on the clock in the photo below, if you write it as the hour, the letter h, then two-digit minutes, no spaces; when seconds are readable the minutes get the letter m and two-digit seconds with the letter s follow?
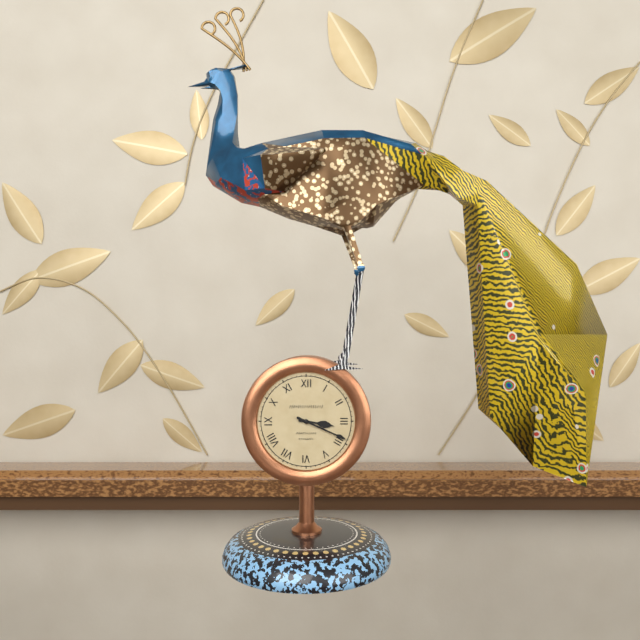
3h19
